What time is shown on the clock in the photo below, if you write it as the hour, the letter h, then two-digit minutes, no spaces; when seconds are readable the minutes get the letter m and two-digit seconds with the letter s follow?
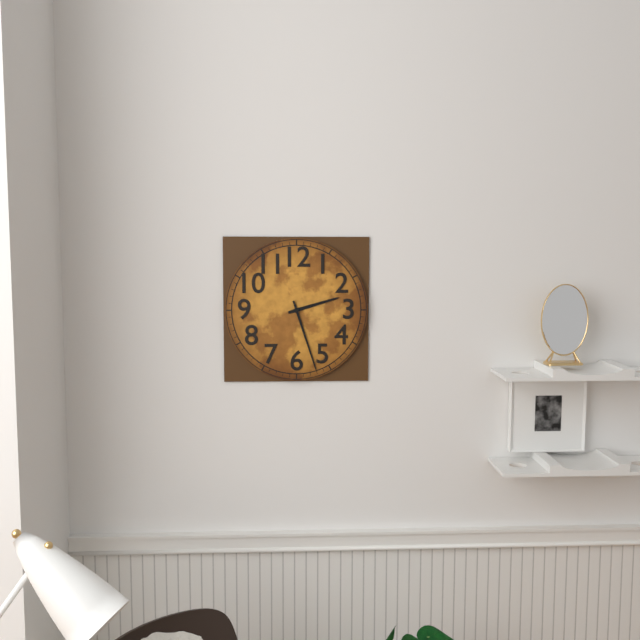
2h27
